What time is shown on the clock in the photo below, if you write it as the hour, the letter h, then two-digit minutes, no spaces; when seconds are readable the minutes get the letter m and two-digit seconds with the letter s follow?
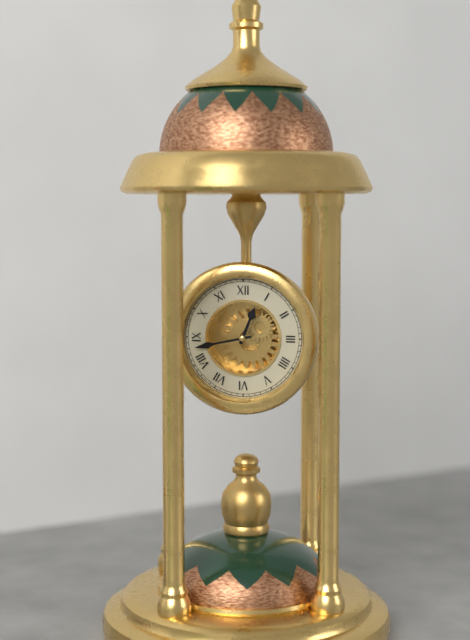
12h43
